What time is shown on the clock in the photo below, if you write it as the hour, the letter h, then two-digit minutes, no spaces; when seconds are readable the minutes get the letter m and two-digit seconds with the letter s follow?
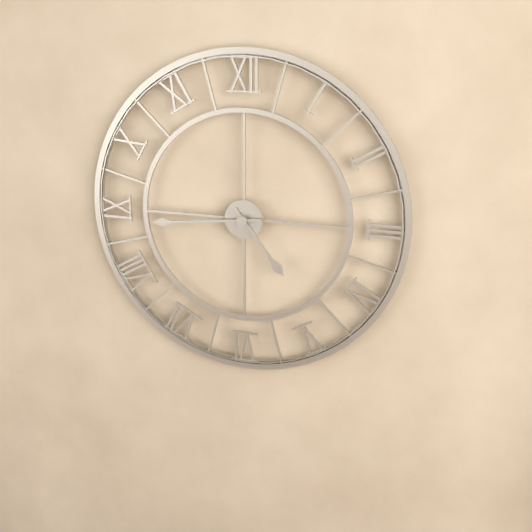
4h44
